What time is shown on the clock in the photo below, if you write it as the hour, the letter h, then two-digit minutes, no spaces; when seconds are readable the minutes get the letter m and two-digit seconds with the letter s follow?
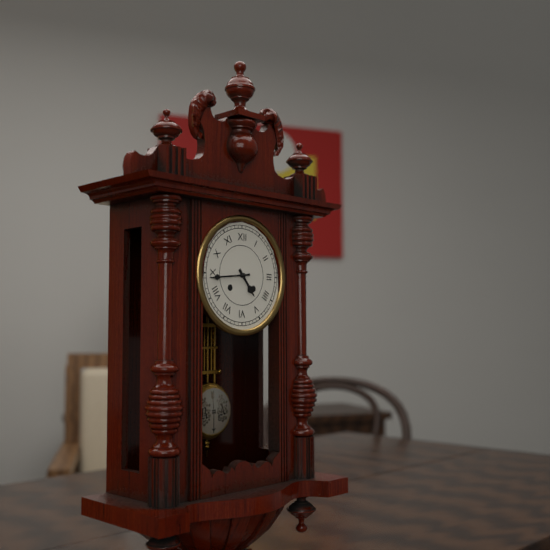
4h44
